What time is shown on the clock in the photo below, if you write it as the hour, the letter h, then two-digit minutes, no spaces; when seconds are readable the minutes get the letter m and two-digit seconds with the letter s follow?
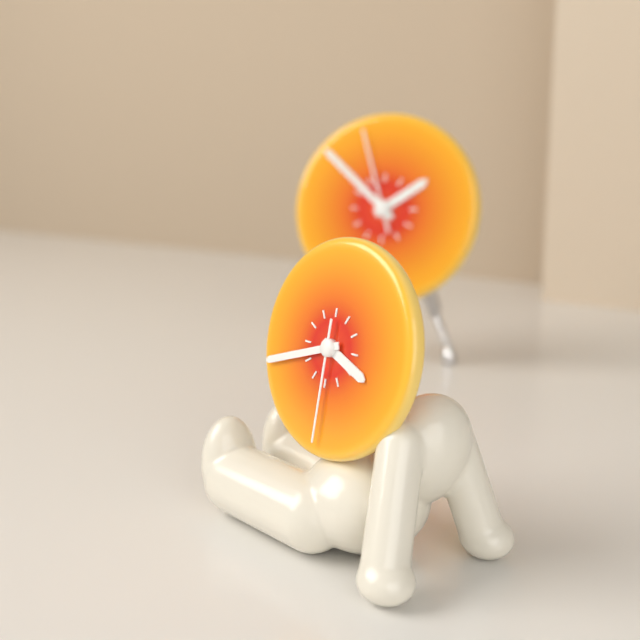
3h42m30s
